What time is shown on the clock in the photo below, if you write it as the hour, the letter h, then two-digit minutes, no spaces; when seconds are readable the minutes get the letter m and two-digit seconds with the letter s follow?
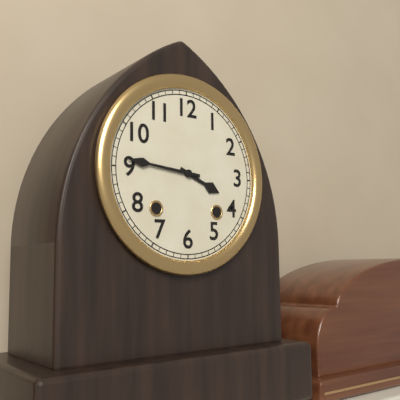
3h46
